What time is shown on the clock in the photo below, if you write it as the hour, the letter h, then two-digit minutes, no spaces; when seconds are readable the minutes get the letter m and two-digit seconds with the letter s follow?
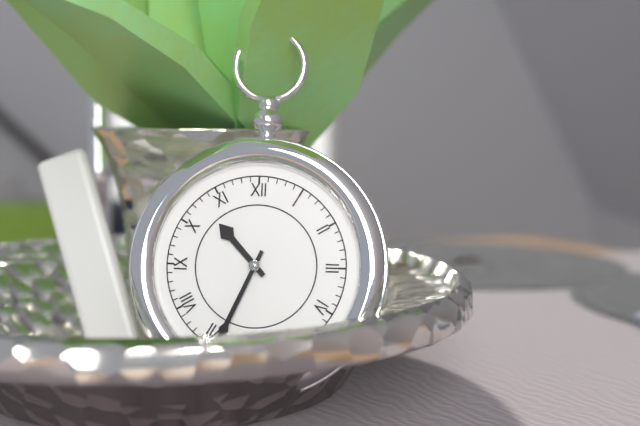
10h34
